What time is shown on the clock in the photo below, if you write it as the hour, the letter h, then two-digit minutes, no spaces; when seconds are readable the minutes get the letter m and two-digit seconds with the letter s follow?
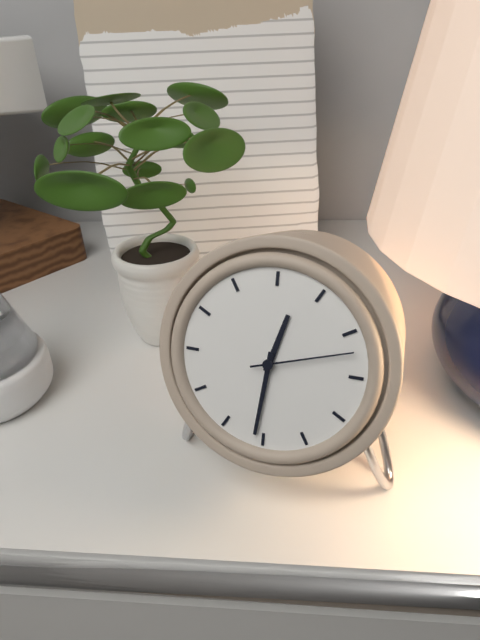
12h31m12s
